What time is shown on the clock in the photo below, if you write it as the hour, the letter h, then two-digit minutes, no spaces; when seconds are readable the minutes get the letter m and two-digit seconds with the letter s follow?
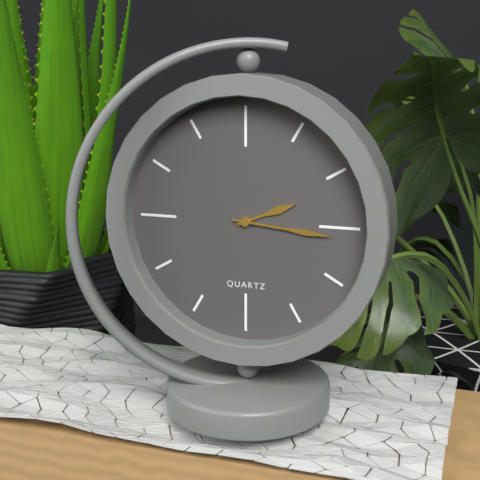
2h16
